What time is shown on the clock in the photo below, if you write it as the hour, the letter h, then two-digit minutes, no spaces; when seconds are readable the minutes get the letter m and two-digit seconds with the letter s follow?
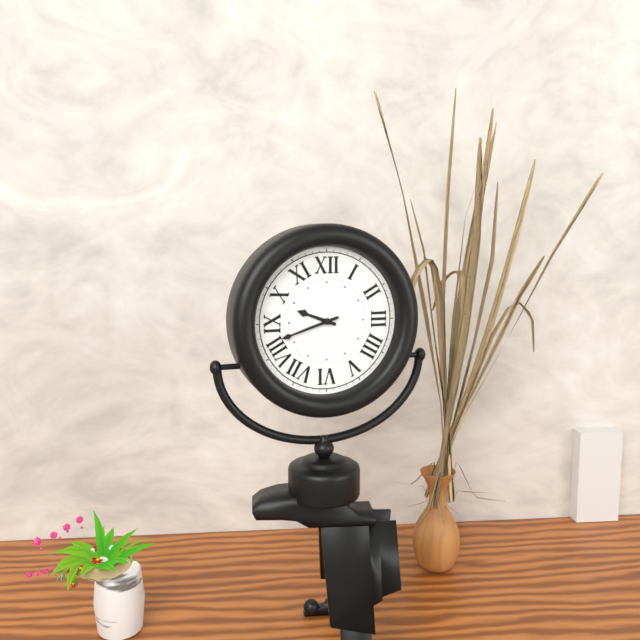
9h42
